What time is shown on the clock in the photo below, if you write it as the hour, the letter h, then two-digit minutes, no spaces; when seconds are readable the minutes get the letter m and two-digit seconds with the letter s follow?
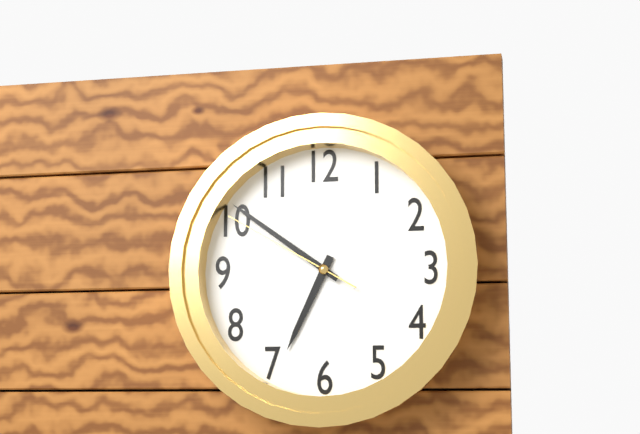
6h51m50s
